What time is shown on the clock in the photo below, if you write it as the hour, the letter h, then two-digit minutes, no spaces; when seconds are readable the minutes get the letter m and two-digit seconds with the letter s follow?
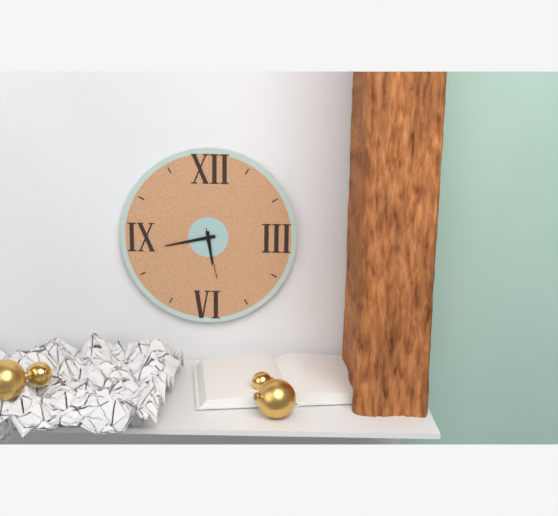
5h43m28s
